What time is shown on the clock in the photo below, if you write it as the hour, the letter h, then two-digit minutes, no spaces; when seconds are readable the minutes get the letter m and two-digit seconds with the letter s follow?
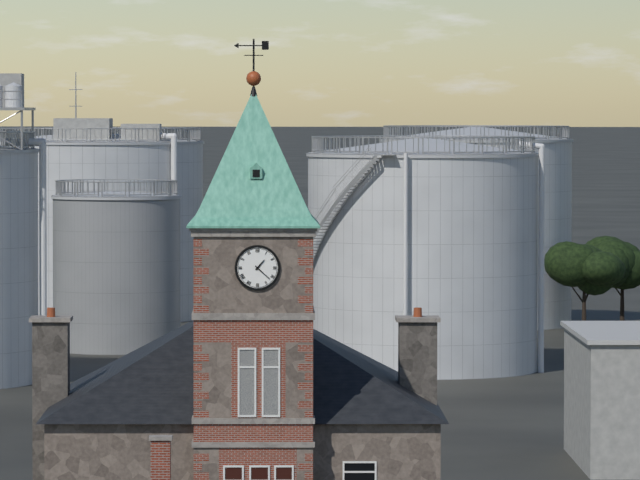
1h22
